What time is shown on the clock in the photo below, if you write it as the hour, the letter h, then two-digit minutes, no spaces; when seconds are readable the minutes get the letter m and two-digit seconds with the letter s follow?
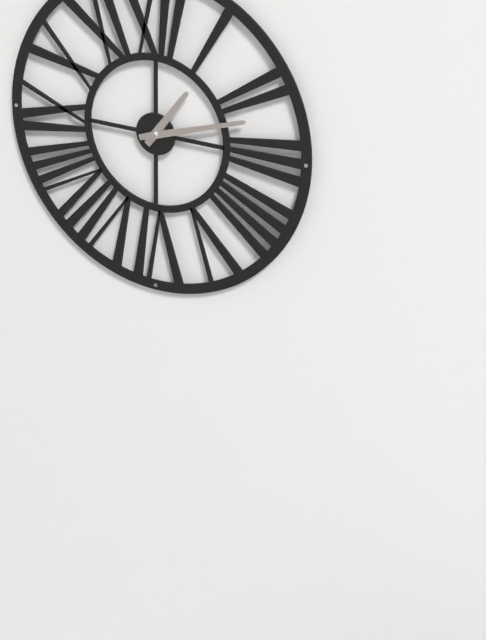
1h12
